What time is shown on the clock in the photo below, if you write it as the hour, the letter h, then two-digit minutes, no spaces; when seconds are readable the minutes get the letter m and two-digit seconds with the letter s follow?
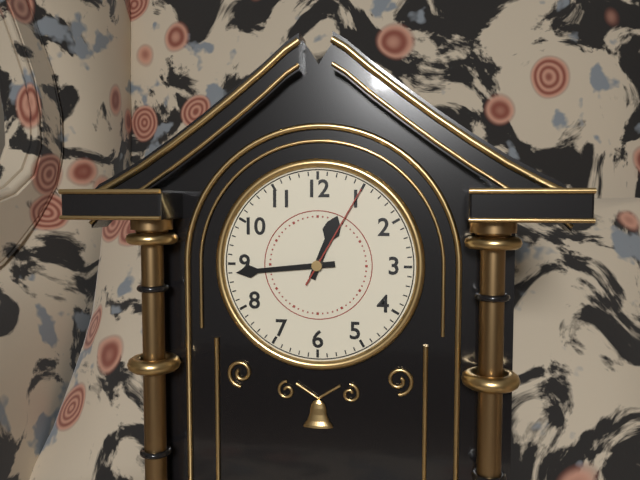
12h44m05s
